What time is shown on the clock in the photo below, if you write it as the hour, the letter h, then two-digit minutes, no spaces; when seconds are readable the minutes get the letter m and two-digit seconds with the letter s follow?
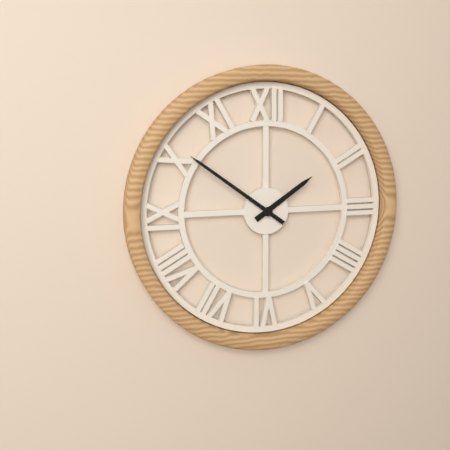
1h51
